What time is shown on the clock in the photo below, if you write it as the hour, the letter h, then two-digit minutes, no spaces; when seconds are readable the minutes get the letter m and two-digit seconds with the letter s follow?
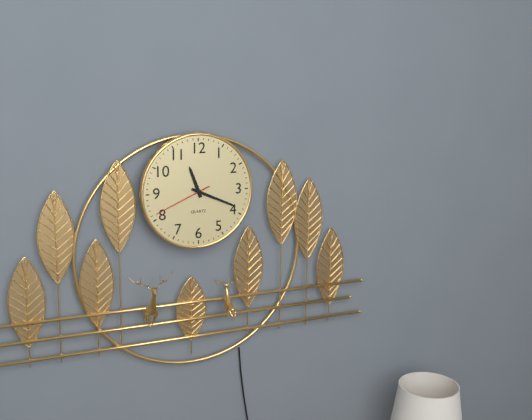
11h19m41s
